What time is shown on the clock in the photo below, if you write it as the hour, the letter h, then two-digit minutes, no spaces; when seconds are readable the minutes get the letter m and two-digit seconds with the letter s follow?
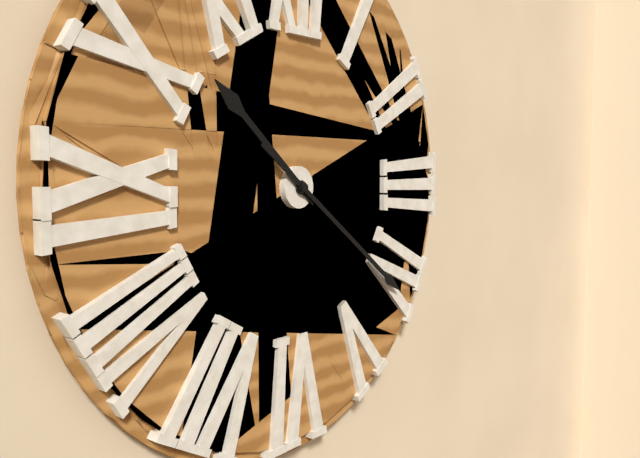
10h21
